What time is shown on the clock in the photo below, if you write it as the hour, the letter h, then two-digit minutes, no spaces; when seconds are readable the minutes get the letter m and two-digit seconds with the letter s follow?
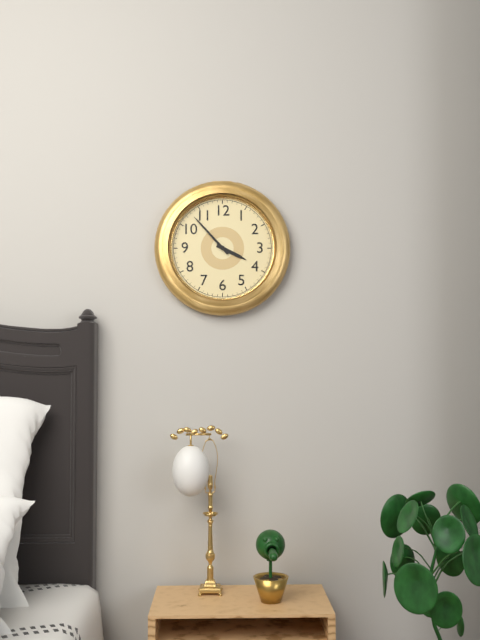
3h53
